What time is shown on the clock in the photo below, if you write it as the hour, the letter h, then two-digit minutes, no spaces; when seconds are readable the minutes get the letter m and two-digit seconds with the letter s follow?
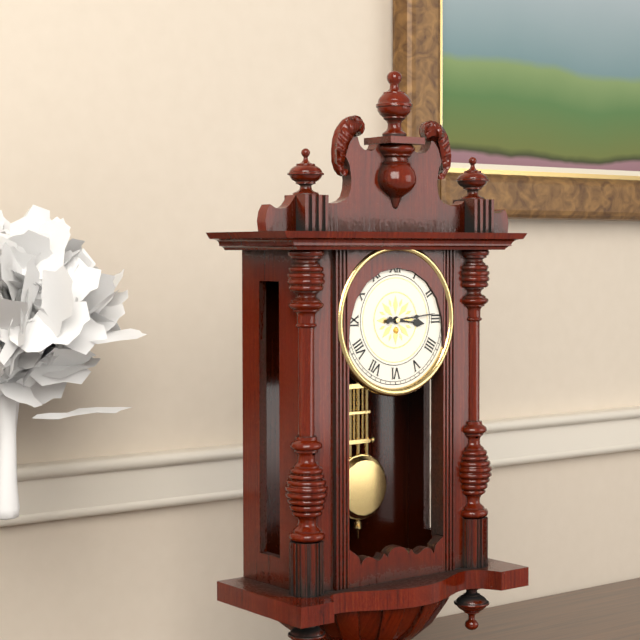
3h14
